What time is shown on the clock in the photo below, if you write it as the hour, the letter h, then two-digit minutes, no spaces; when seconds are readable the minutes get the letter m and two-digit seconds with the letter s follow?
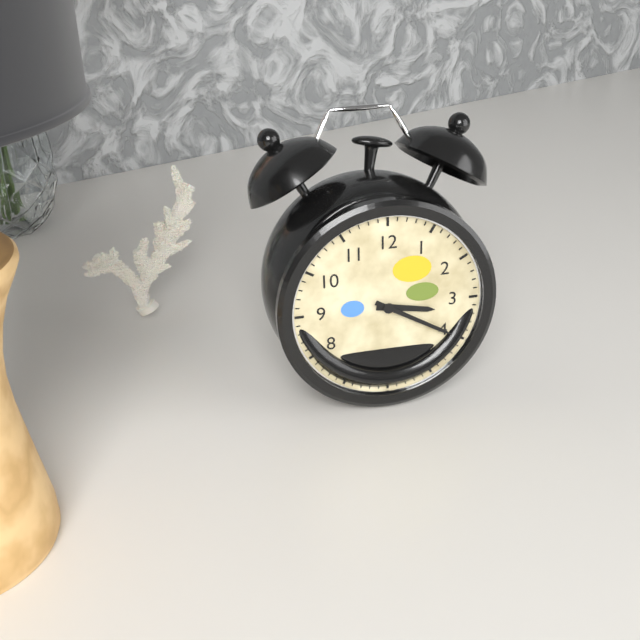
3h20
